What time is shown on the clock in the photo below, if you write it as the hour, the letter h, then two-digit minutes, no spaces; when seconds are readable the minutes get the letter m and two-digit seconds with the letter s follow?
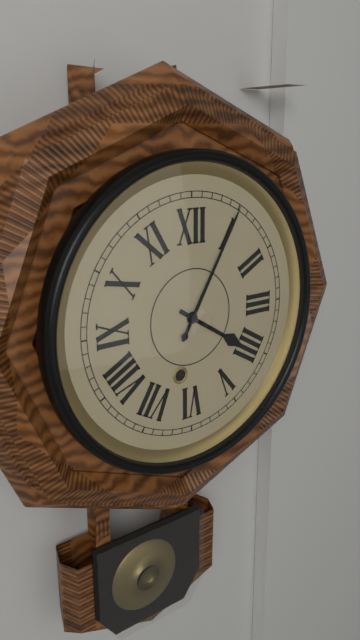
4h05
